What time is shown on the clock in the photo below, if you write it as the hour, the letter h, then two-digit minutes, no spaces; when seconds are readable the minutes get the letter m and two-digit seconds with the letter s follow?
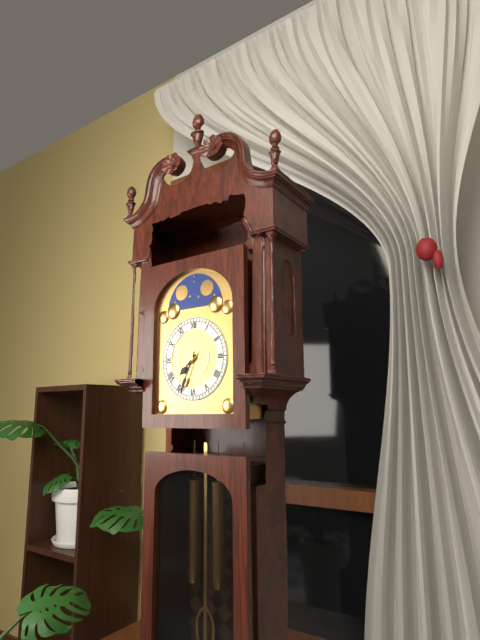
7h34
